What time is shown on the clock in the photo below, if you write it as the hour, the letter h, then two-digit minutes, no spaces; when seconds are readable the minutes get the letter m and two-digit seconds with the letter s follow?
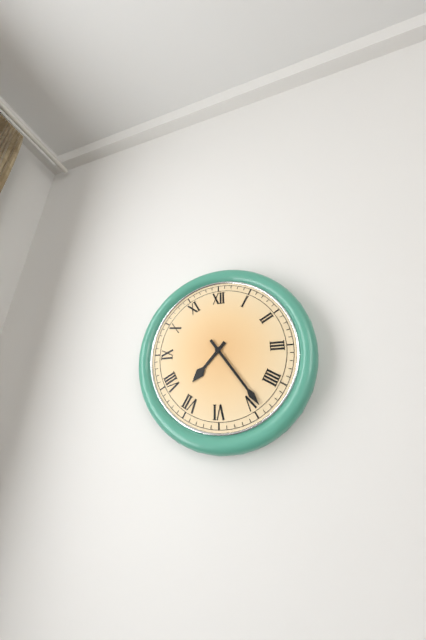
7h24
